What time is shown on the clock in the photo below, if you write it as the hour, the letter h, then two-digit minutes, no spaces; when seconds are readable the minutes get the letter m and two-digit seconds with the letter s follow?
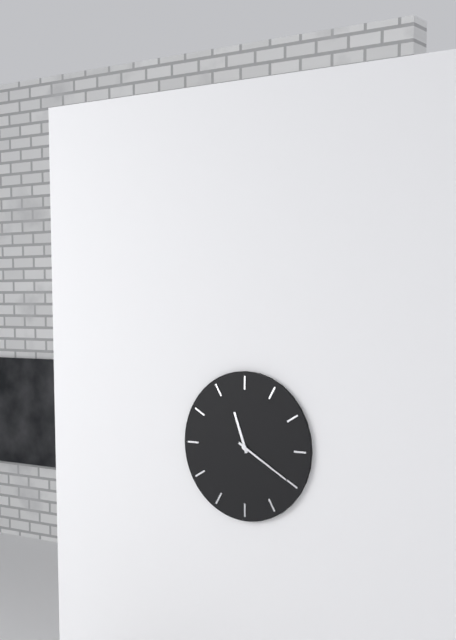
11h20
